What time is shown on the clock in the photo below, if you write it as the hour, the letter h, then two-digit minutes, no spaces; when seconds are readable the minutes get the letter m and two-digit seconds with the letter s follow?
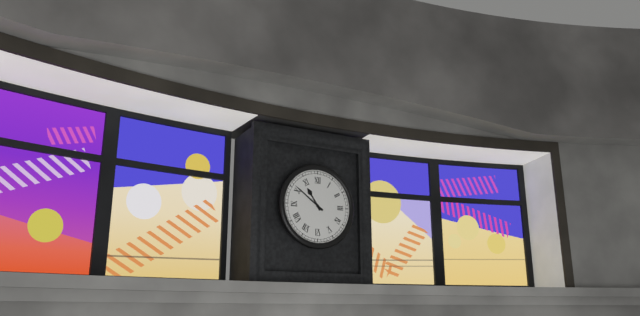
10h51
